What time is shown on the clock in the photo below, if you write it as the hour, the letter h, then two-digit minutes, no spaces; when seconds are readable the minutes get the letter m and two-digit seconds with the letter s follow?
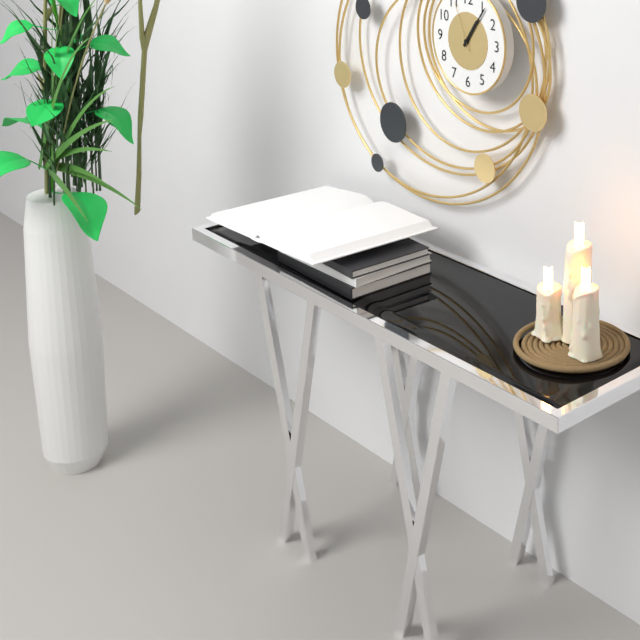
1h06m56s
